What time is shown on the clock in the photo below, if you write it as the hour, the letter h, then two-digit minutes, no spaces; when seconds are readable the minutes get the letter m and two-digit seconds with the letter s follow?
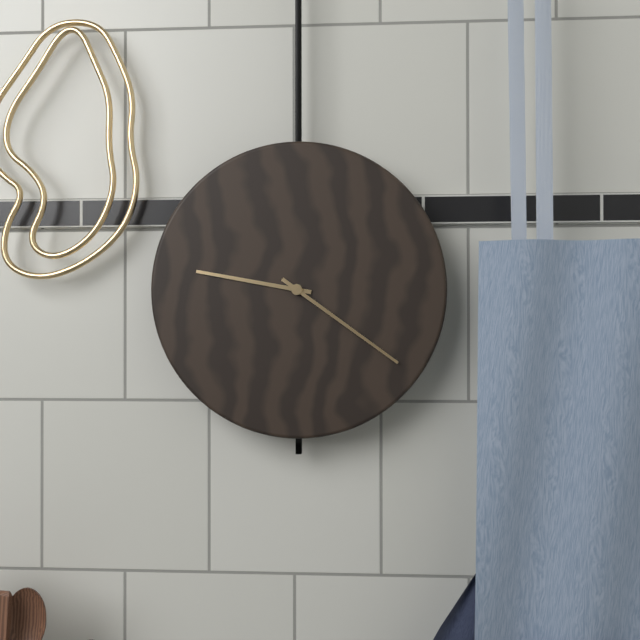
9h21
